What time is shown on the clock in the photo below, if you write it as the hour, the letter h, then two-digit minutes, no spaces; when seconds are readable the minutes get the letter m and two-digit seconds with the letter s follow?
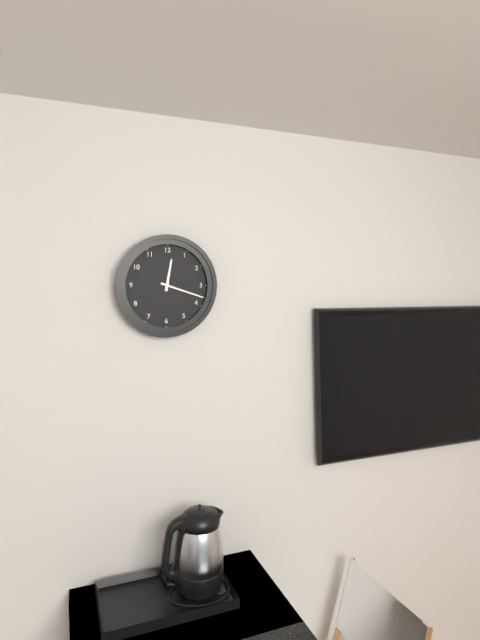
12h18
